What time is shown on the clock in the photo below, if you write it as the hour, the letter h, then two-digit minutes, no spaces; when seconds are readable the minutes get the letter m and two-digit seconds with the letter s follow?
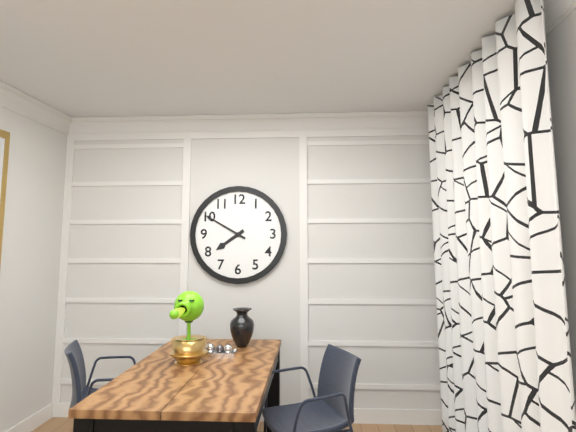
7h50
